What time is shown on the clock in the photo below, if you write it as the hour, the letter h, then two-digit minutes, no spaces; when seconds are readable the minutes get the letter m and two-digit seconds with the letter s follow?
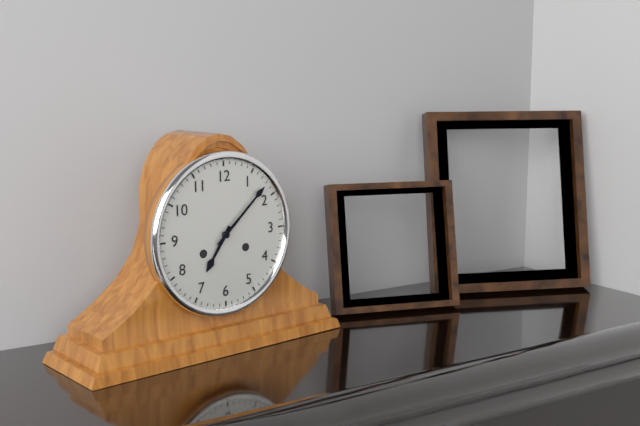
7h08
